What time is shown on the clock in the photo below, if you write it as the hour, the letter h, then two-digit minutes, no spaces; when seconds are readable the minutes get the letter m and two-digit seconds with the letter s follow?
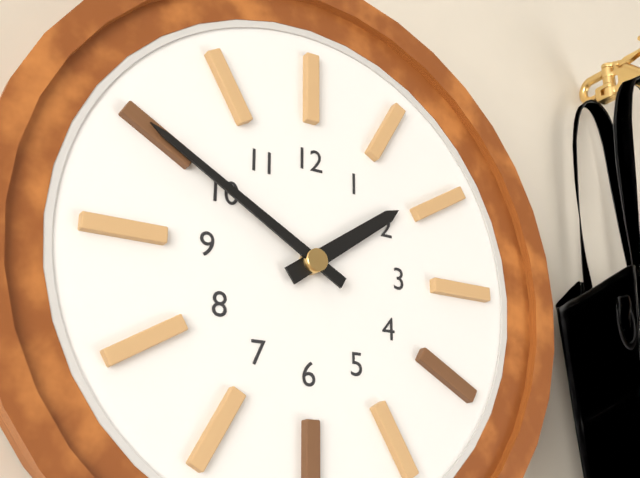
1h50
